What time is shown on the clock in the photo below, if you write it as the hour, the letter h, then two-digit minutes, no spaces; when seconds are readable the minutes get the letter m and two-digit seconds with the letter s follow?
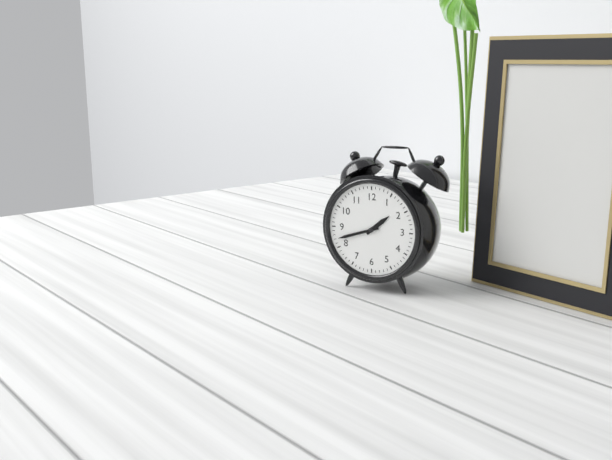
1h42
